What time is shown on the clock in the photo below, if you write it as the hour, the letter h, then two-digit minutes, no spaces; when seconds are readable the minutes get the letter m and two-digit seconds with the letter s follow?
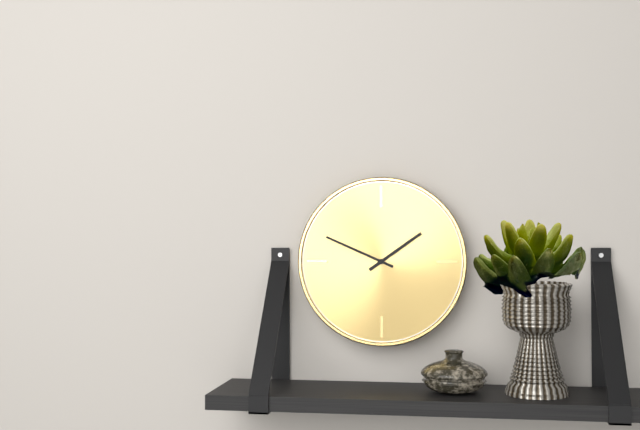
1h49
